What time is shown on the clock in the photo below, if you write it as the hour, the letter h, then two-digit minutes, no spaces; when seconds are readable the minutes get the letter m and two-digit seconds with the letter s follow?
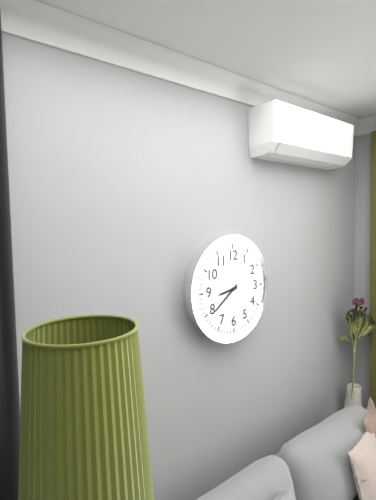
8h39
